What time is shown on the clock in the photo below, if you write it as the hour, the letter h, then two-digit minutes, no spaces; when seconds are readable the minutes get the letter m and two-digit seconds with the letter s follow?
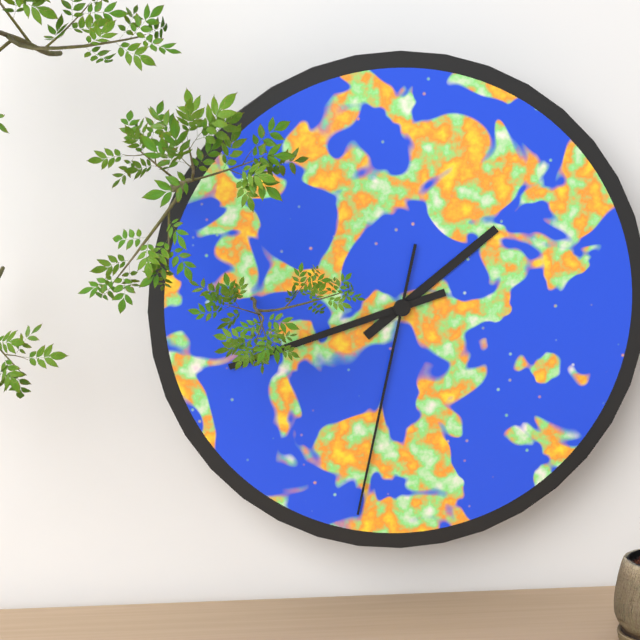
1h42m32s
